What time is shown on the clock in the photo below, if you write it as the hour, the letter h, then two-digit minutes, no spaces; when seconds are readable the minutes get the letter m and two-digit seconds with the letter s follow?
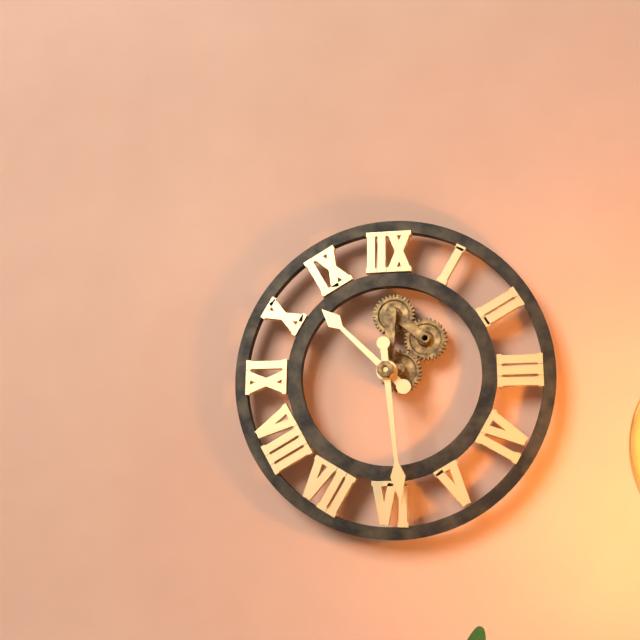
10h29
